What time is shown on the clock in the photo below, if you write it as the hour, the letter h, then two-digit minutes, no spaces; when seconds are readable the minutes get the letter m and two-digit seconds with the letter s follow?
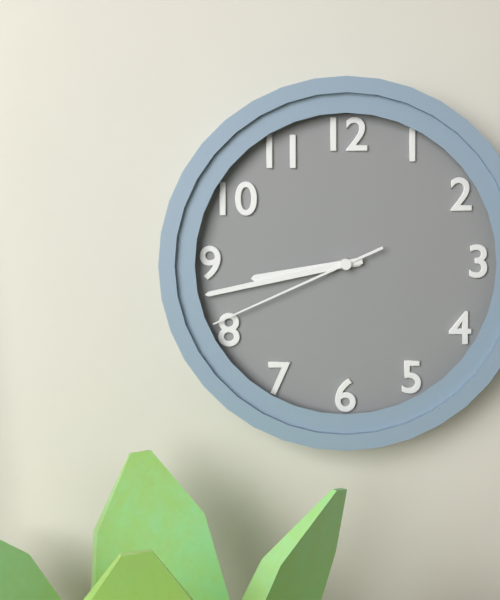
8h43m41s
